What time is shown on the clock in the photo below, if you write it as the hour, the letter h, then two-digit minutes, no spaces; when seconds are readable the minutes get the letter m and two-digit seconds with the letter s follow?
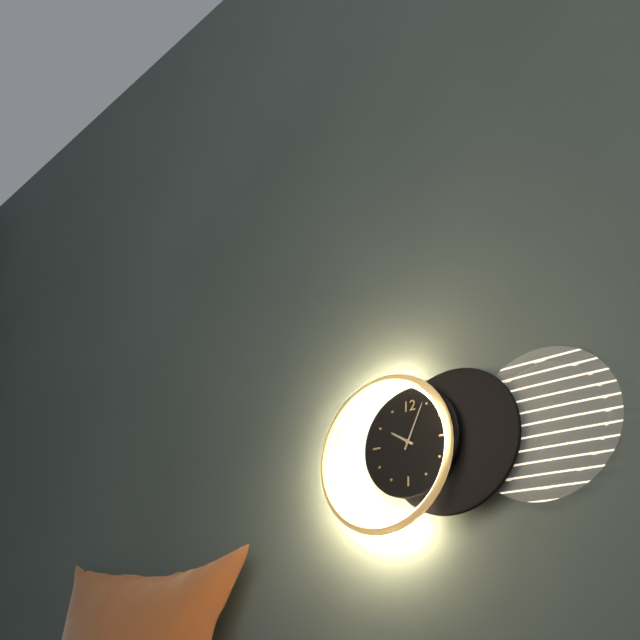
10h04
